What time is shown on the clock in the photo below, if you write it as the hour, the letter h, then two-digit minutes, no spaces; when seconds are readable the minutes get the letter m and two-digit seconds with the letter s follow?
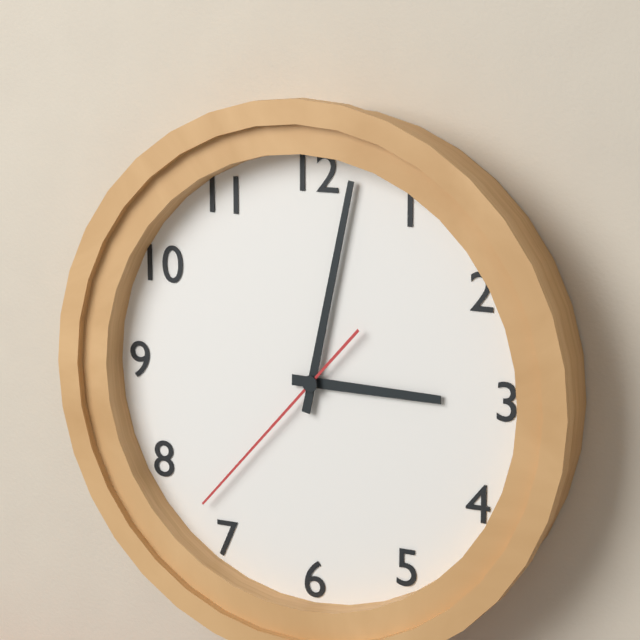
3h02m37s
